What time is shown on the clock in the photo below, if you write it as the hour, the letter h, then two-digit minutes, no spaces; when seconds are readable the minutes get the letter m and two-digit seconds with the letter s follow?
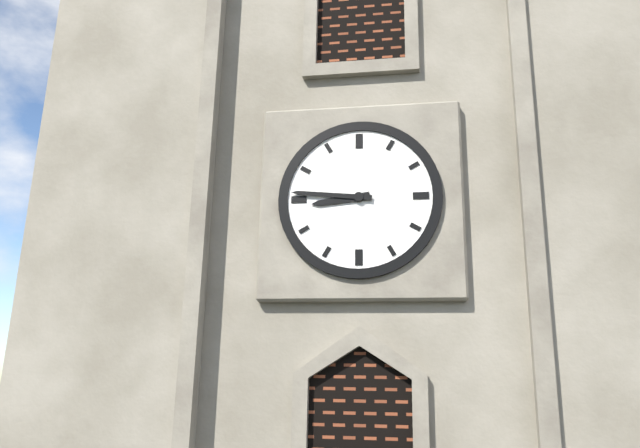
8h46
